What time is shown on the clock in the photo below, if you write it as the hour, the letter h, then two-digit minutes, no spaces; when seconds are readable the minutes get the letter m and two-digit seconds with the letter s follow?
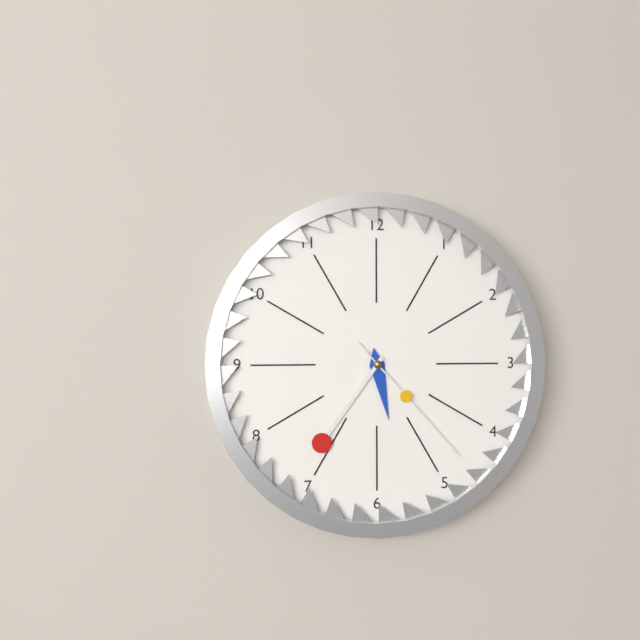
5h36m23s
